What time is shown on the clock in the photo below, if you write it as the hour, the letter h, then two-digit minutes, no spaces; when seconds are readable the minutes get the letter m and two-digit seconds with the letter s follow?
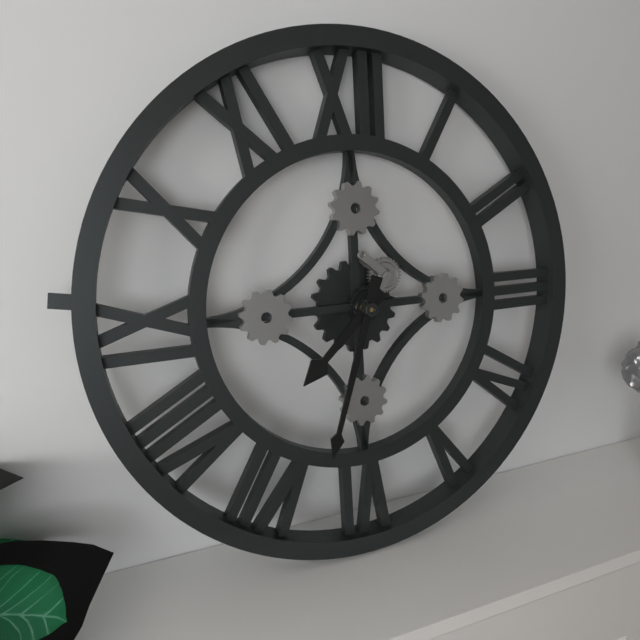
7h33
